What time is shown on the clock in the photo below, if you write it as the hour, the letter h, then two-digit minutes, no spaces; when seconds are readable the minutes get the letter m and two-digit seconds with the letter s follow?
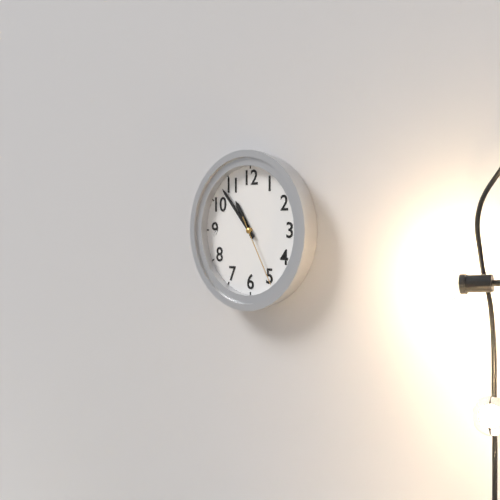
10h53m25s
